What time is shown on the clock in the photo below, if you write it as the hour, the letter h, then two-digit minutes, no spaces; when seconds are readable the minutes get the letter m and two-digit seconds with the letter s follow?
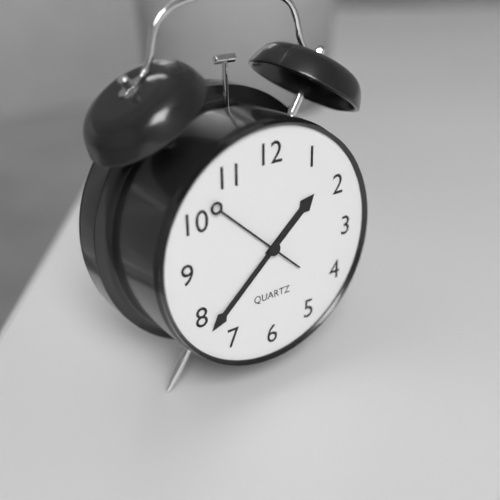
1h38m52s
